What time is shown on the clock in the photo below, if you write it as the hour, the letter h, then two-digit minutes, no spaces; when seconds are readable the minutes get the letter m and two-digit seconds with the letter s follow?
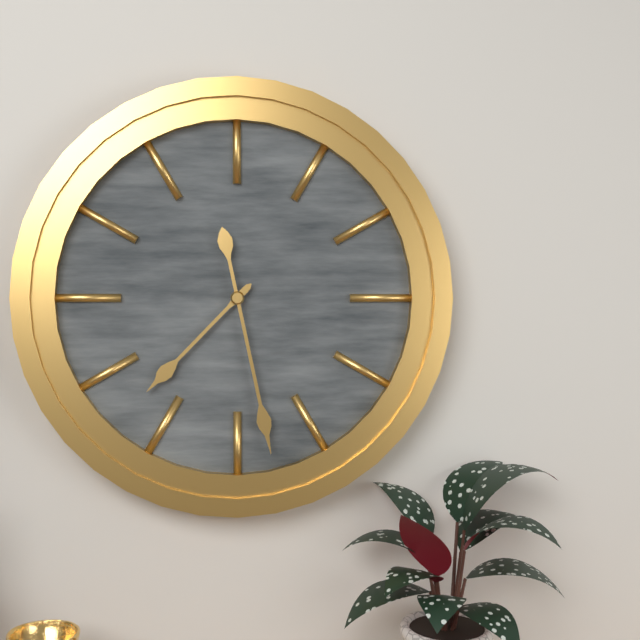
7h28
